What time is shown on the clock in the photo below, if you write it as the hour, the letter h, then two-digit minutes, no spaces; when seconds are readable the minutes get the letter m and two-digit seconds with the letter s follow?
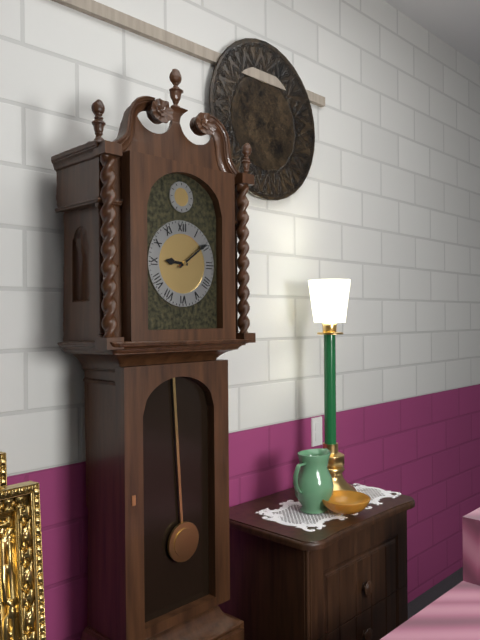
9h09
